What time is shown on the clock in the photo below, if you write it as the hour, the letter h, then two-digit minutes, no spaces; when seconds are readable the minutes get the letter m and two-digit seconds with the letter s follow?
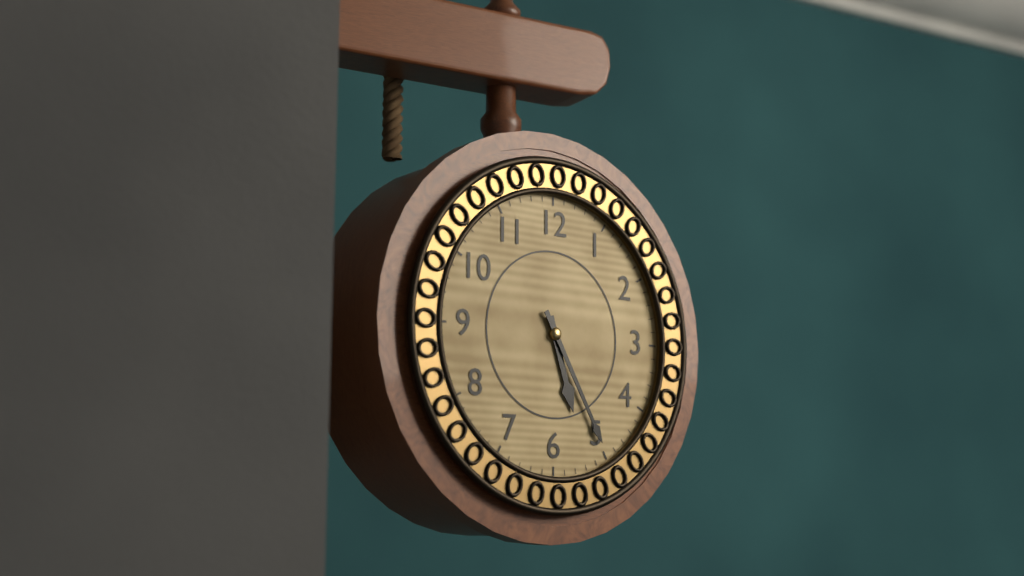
5h25
